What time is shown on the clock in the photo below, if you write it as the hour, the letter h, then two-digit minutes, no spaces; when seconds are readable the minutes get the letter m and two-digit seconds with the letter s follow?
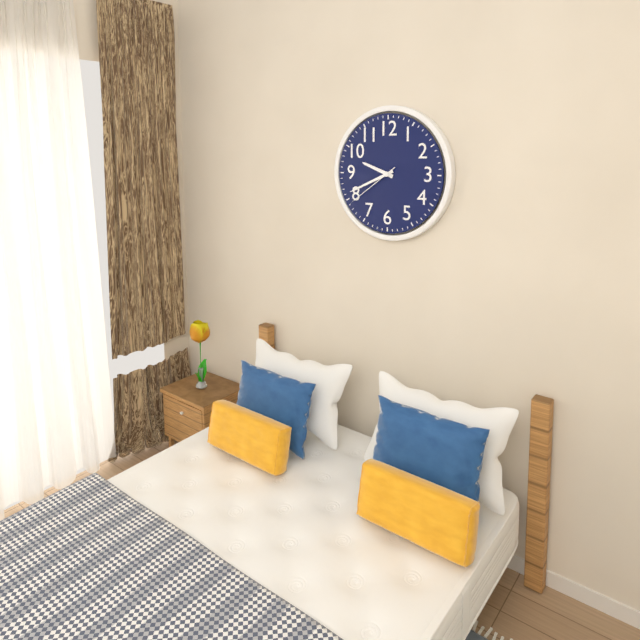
9h41m39s
